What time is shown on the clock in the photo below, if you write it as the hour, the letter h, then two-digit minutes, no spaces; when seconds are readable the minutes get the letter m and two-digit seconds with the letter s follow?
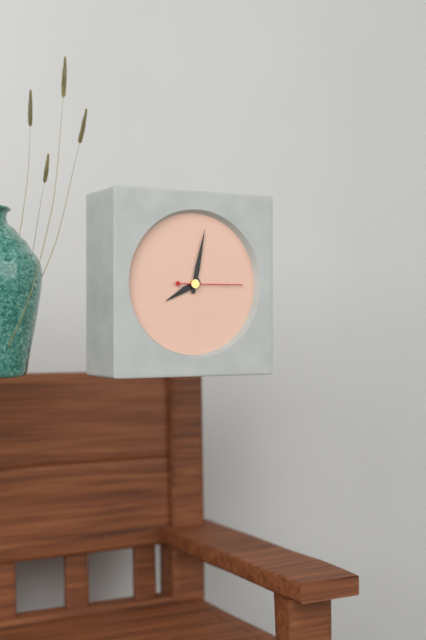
8h02m15s
